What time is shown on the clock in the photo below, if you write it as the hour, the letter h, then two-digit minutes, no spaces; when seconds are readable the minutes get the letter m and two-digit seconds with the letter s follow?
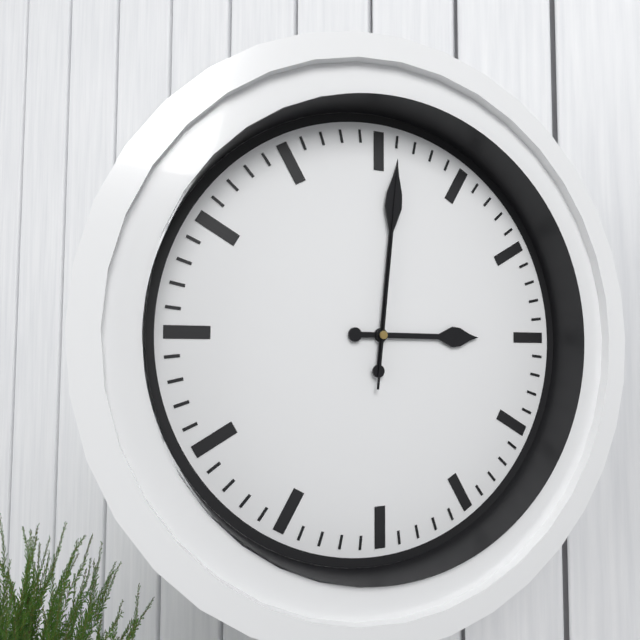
3h01m01s
